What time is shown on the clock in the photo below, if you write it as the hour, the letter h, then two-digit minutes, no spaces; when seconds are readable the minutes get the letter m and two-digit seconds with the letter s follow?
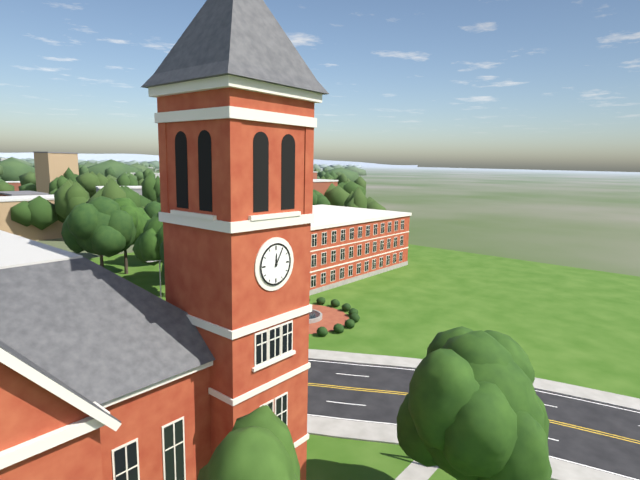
12h05
